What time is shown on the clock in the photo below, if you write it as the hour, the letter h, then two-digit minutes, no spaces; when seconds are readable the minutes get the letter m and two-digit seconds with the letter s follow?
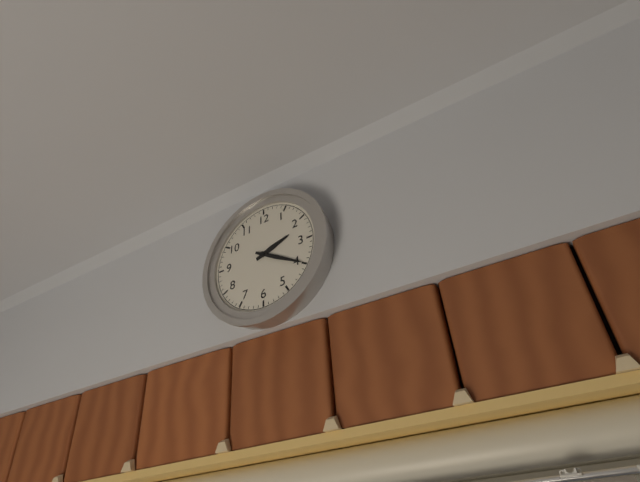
2h20
